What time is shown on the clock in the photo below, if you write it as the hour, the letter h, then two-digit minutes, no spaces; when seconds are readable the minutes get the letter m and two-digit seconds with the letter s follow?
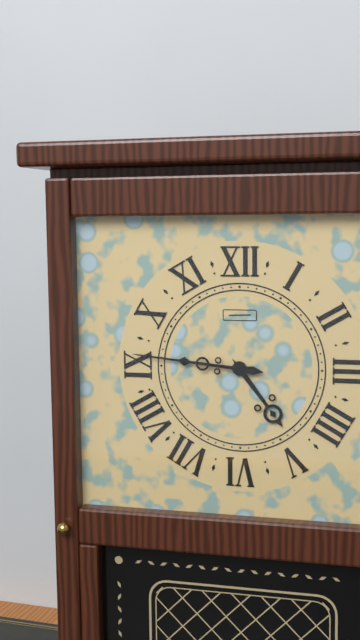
4h46
